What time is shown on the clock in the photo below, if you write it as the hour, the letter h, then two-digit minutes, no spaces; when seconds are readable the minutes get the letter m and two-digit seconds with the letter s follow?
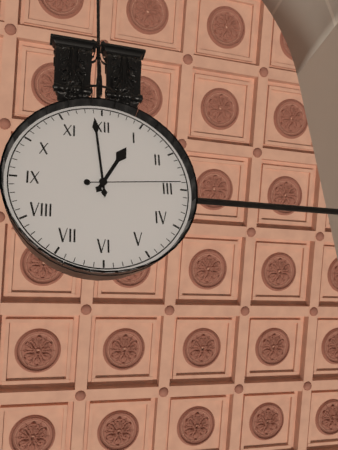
12h59m14s
